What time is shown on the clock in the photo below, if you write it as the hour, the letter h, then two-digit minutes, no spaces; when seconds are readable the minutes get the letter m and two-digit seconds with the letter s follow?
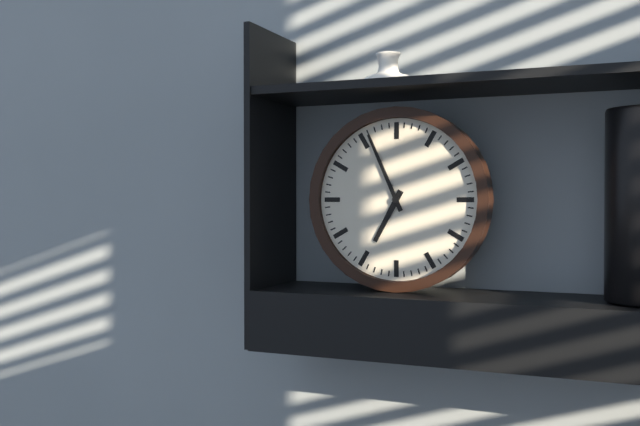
6h56
